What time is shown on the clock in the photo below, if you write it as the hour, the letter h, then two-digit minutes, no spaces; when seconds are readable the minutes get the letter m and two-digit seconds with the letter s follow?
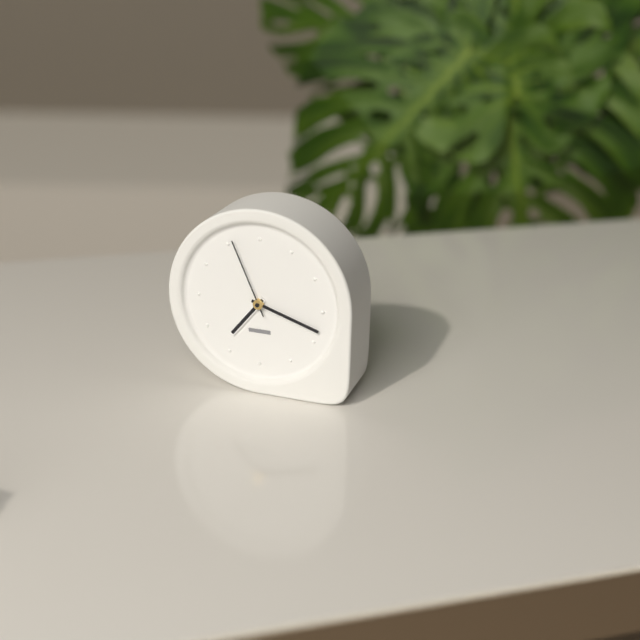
7h18m56s
